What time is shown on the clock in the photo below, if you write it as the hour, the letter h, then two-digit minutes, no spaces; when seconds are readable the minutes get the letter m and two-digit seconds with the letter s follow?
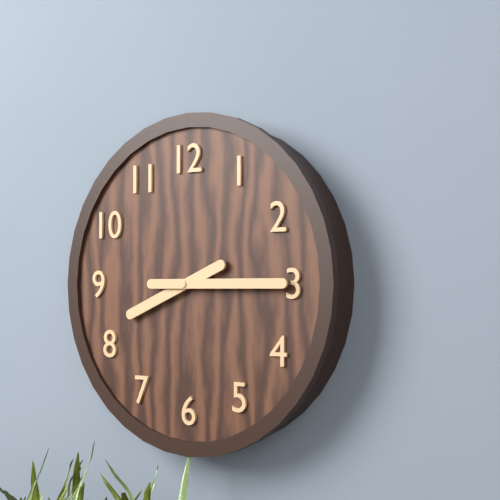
8h15
